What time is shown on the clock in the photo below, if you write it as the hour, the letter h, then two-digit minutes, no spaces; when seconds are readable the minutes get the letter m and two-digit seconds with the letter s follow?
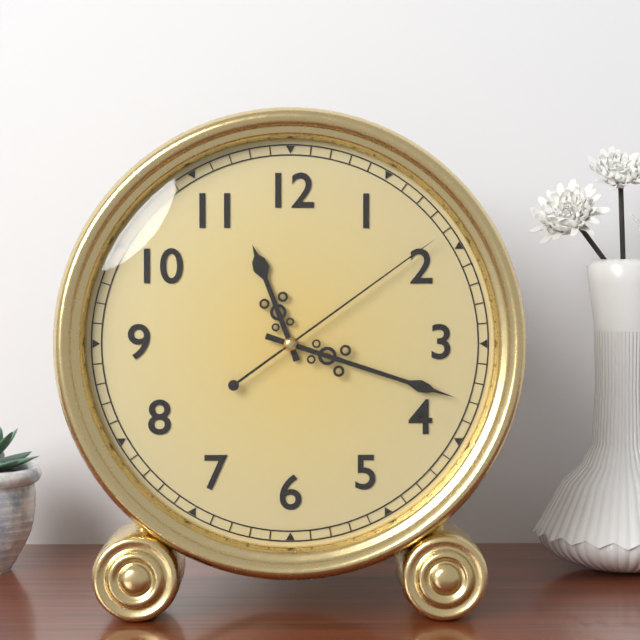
11h18m09s
